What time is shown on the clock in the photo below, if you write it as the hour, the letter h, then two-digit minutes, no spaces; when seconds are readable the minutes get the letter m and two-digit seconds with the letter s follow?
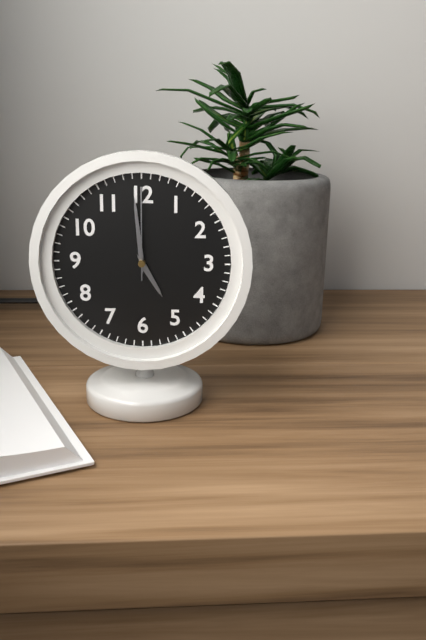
4h59m00s
